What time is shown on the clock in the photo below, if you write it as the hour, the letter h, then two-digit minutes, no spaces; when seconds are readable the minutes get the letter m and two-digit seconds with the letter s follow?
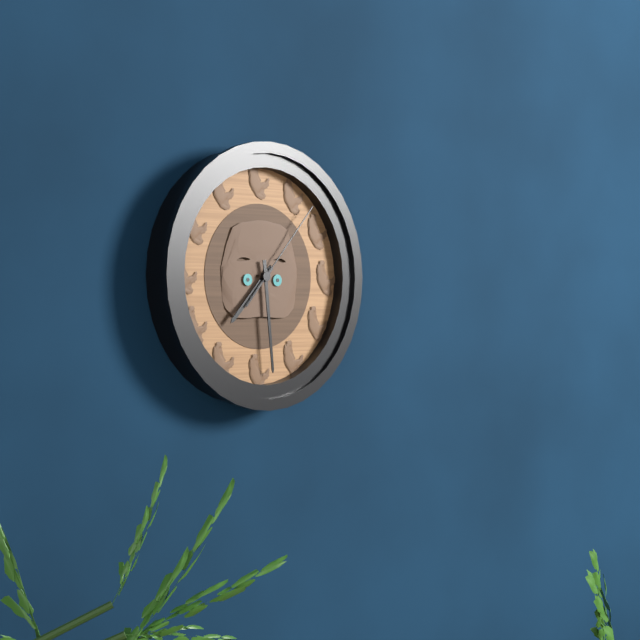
7h29m07s
